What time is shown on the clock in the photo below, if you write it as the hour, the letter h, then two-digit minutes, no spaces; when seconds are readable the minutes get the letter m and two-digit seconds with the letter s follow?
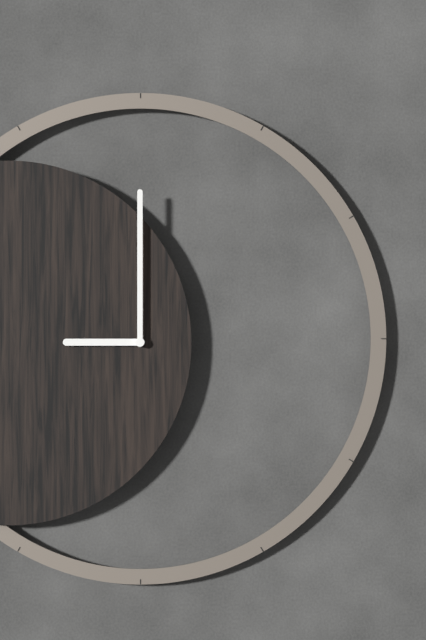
9h00
